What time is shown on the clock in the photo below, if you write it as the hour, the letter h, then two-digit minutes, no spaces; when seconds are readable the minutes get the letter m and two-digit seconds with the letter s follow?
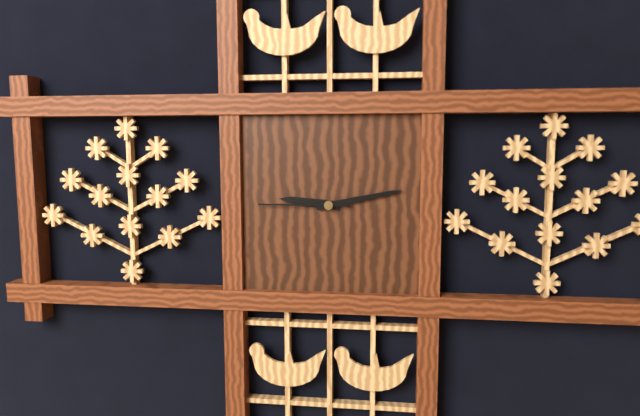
9h13m45s
